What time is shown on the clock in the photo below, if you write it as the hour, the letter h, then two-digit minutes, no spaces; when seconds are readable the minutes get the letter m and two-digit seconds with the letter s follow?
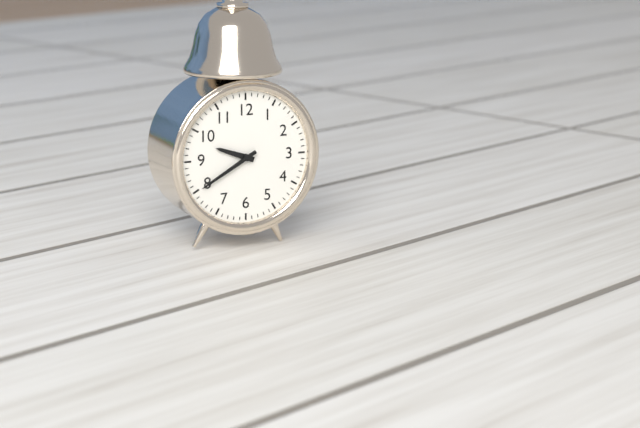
9h40
